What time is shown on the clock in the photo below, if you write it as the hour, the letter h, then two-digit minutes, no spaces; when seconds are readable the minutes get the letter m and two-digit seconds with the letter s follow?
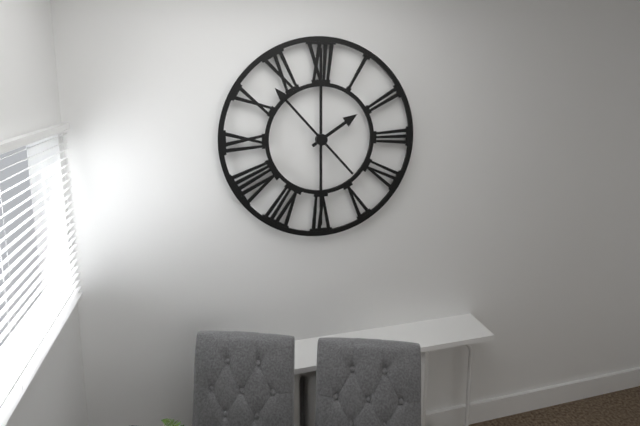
1h53
